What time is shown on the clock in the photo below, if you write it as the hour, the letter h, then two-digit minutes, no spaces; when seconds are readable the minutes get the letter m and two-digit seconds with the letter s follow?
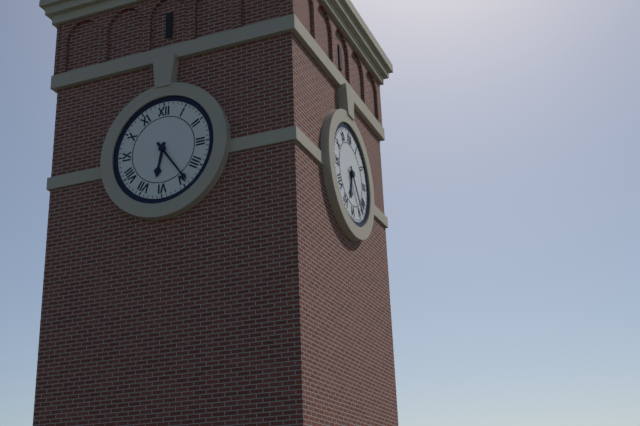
6h24
